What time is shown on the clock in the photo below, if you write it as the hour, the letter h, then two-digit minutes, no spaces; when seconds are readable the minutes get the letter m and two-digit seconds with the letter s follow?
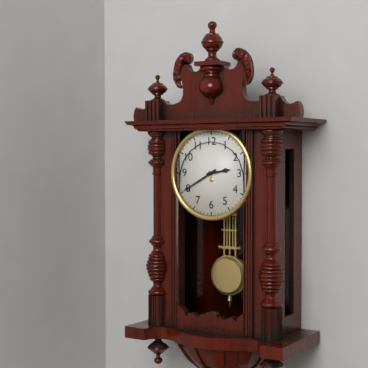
2h40
